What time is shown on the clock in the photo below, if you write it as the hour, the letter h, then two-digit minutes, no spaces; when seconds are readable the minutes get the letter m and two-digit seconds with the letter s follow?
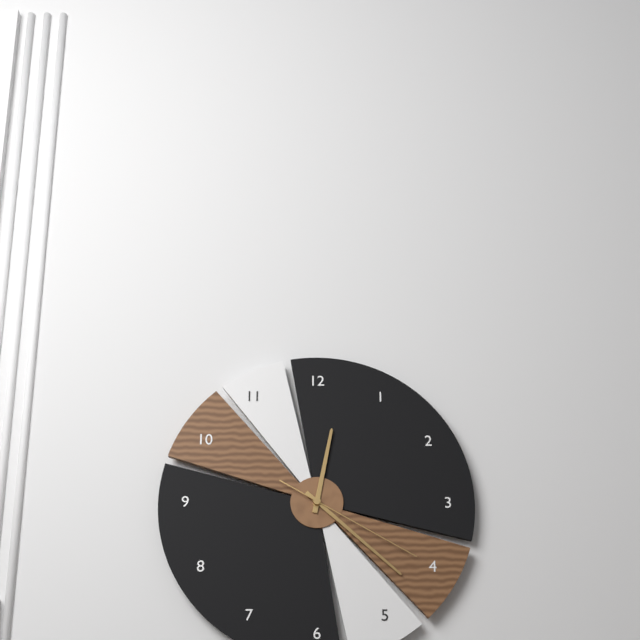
12h22m20s
